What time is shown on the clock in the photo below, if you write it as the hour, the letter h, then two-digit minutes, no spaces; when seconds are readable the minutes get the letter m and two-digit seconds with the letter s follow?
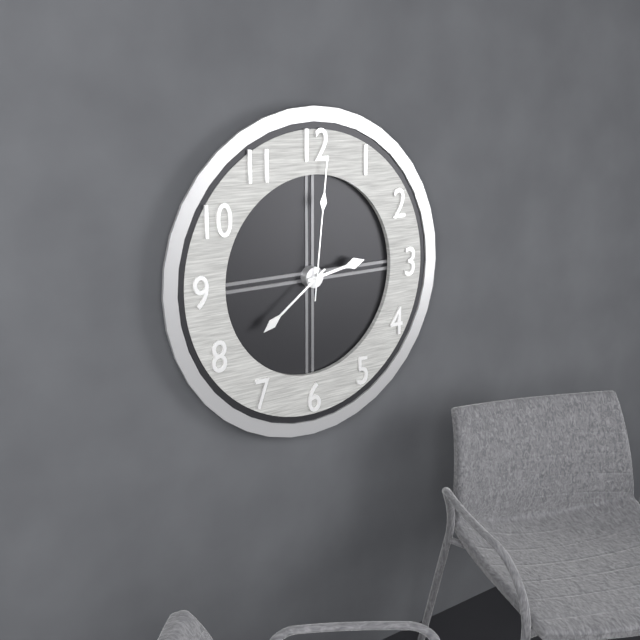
2h39m01s
